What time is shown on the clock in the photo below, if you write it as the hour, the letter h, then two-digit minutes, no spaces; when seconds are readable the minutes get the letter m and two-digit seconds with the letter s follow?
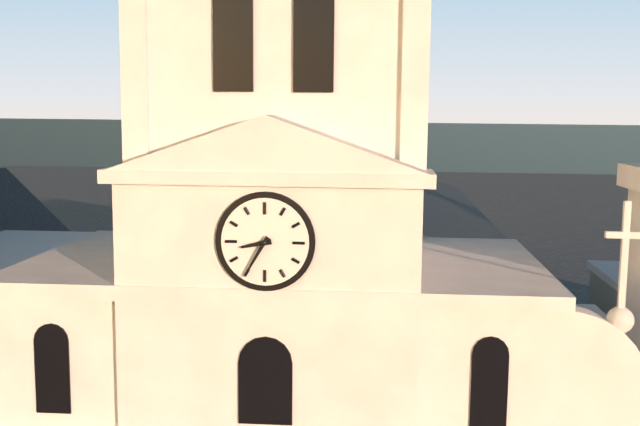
8h35
